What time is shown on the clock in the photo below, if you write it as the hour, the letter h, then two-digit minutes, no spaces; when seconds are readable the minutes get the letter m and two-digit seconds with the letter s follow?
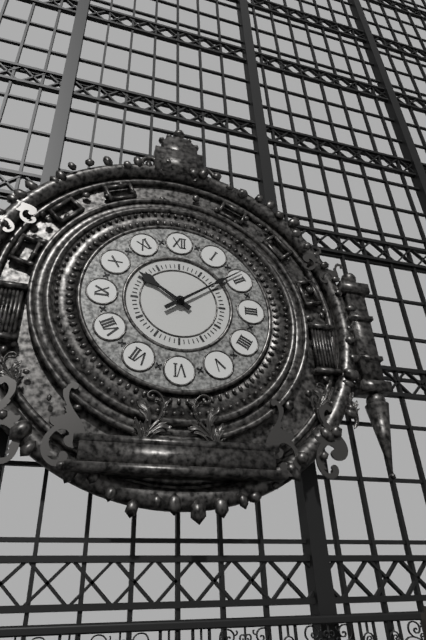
10h09
